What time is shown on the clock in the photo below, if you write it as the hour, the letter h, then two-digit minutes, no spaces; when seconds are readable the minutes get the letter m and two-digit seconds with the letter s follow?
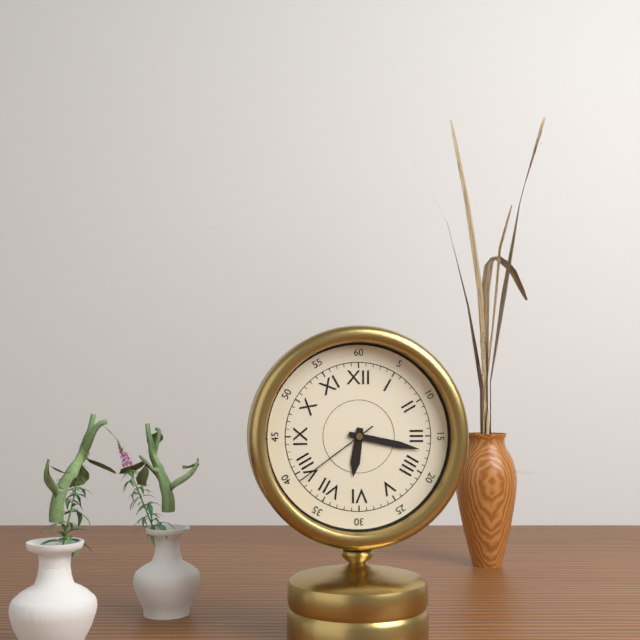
6h17m39s
